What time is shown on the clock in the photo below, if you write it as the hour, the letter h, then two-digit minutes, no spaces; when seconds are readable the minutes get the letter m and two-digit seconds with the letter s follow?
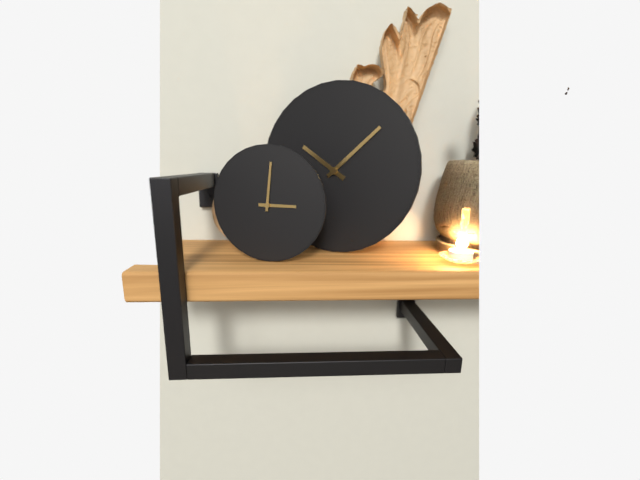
3h01
